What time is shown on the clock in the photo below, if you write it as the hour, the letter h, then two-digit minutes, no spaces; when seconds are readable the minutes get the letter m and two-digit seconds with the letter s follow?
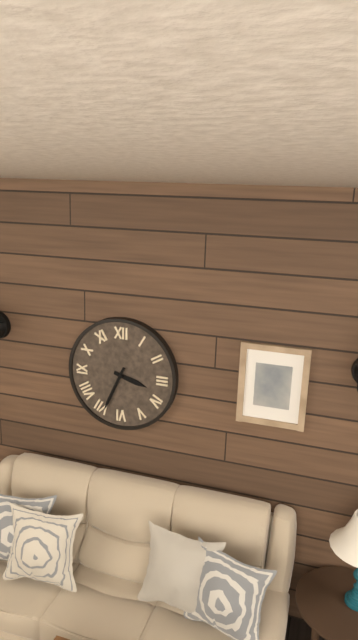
3h34
